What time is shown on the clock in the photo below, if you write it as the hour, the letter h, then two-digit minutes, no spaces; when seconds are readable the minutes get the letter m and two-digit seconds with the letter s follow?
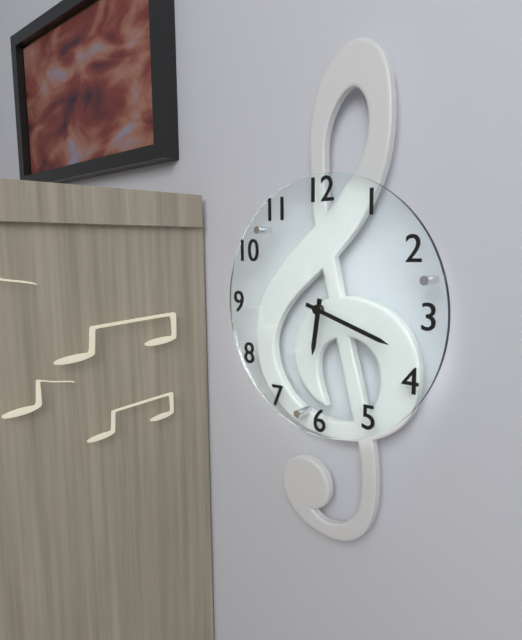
6h18
